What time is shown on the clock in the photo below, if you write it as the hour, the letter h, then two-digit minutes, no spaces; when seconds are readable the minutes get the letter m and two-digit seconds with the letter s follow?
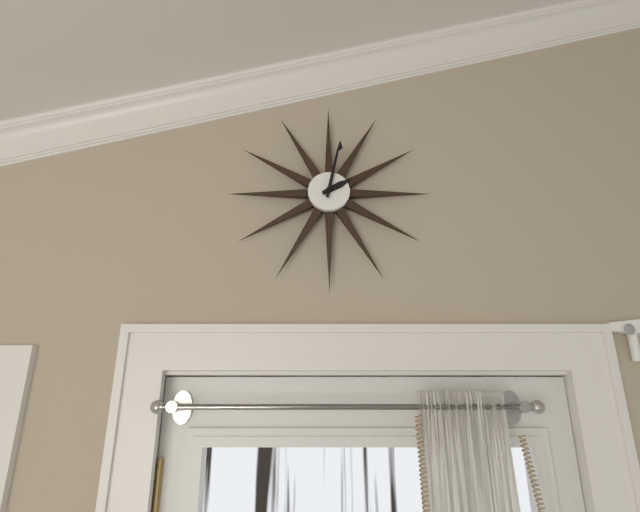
2h02
